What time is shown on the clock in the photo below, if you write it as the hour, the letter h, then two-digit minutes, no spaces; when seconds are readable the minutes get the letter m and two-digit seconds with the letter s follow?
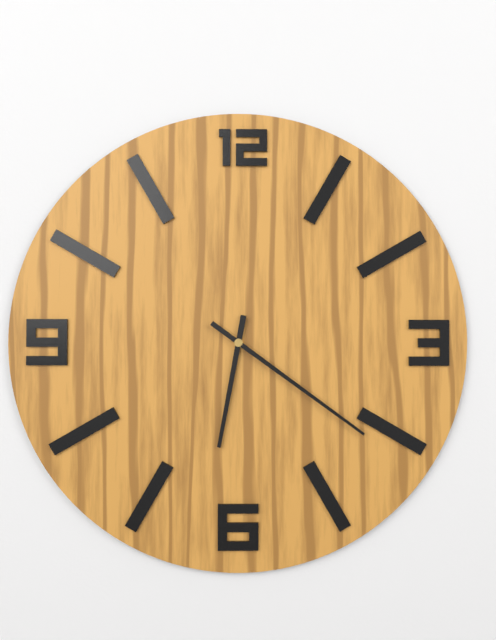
6h21
